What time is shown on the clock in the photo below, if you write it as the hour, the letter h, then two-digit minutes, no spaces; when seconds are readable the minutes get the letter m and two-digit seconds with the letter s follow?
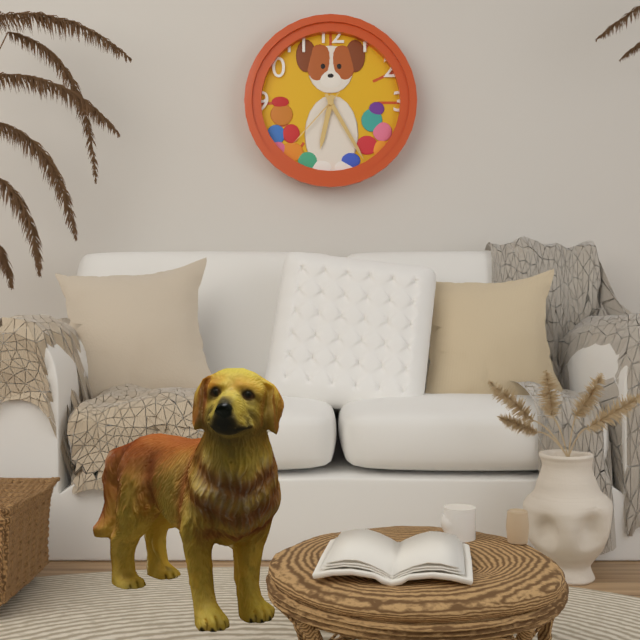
6h25m37s
